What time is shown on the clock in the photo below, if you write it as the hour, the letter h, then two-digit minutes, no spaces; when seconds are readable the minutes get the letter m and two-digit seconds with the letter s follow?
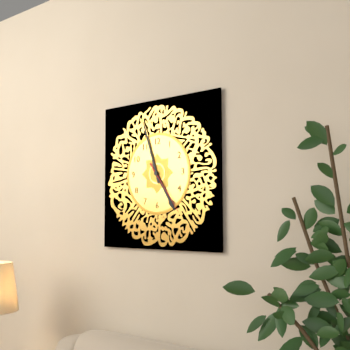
4h57m24s
